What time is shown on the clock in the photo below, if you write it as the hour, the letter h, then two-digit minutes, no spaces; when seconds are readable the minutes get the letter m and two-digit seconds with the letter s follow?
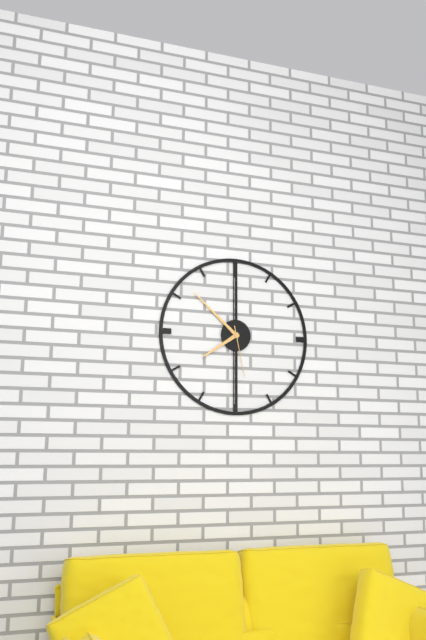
7h52m28s
